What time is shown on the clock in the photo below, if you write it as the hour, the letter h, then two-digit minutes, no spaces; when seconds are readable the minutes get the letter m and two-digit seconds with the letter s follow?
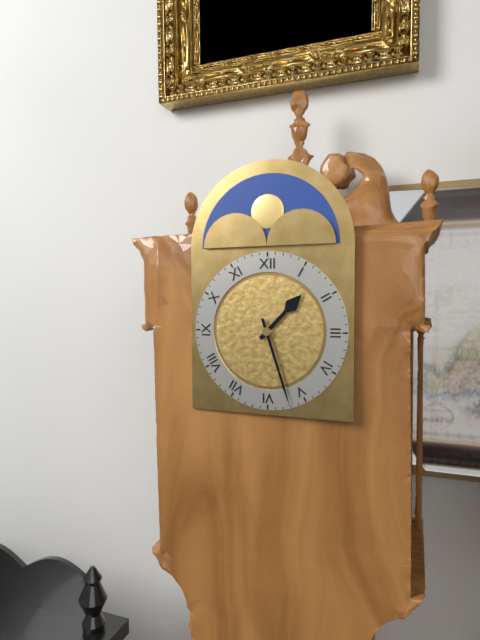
1h27
